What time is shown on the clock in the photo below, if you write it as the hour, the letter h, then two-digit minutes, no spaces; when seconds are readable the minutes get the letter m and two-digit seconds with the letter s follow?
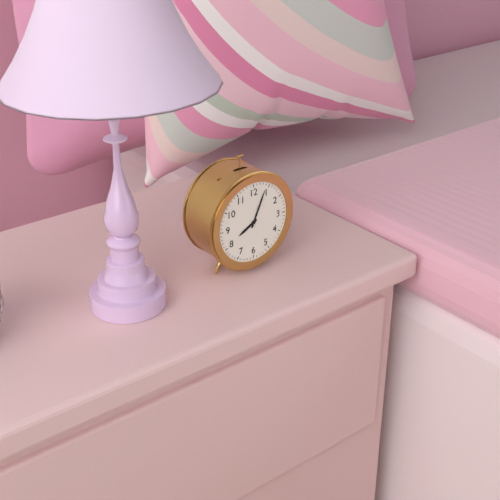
8h04
